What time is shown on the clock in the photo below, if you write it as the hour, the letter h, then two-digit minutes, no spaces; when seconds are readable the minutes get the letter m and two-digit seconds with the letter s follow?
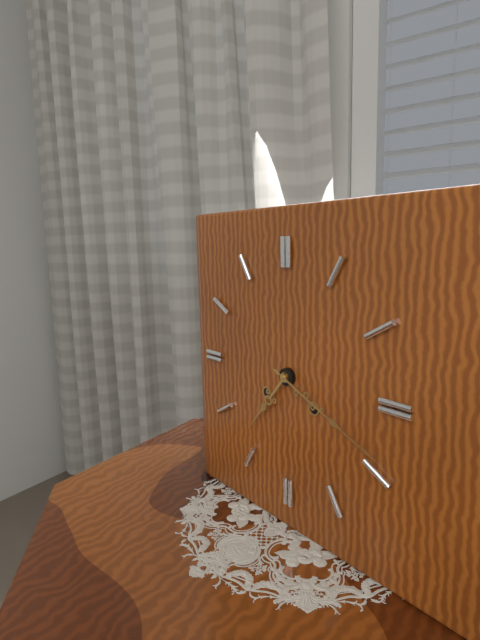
7h19
